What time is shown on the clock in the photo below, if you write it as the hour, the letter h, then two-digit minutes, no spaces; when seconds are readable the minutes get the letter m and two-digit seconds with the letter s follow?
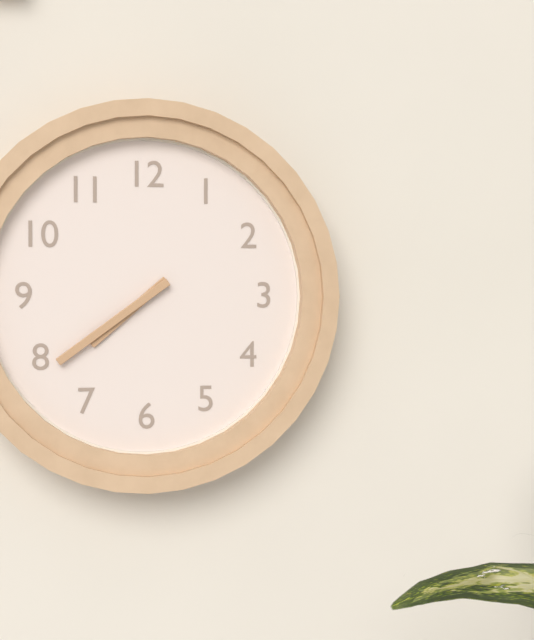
7h39
